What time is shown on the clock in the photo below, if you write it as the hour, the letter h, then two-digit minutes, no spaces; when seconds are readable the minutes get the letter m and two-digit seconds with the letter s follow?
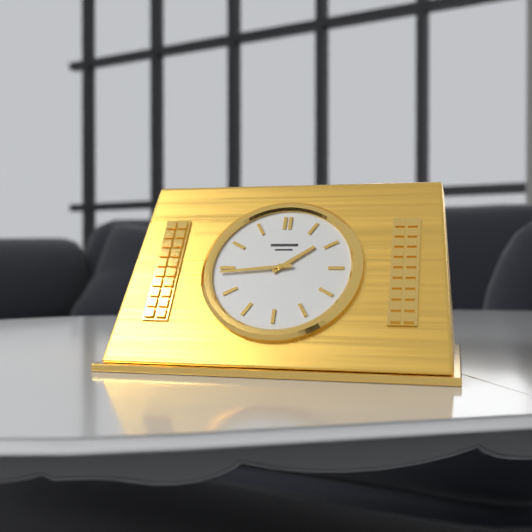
1h44
